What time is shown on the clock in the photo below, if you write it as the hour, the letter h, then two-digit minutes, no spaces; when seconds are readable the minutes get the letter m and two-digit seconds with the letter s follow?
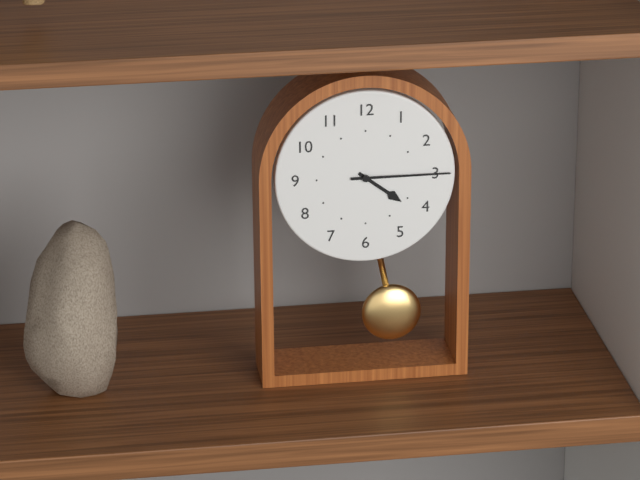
4h15
